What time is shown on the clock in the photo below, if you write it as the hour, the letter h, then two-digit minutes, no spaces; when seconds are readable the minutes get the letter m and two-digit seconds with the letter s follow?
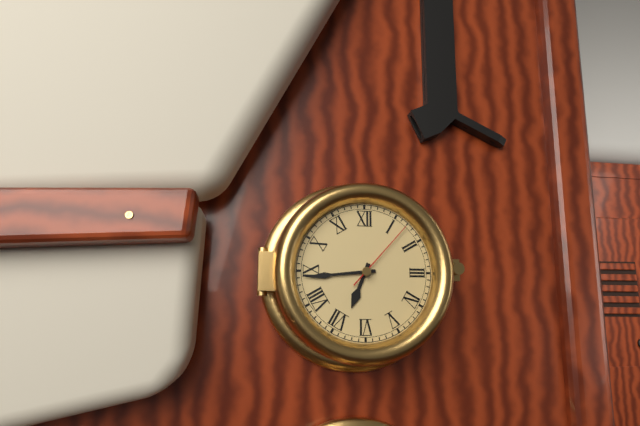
6h44m07s
